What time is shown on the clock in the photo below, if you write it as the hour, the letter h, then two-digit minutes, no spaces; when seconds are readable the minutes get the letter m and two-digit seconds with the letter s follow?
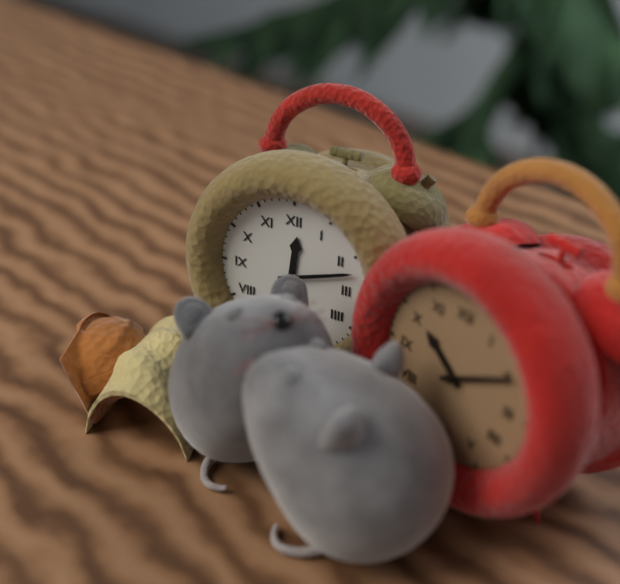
12h12
